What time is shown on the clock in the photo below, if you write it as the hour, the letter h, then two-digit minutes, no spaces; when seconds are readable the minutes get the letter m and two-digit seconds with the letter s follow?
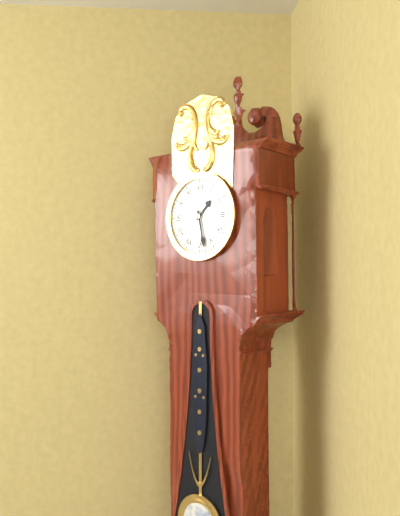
1h28
